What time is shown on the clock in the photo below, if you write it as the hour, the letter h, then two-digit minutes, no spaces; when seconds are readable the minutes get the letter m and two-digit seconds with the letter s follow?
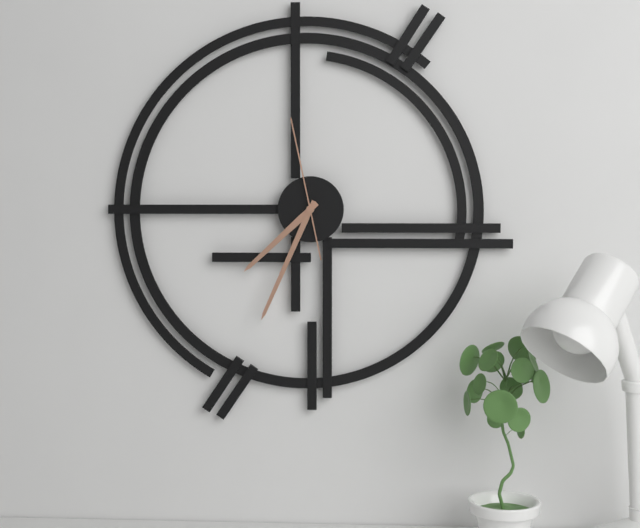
7h34m58s
